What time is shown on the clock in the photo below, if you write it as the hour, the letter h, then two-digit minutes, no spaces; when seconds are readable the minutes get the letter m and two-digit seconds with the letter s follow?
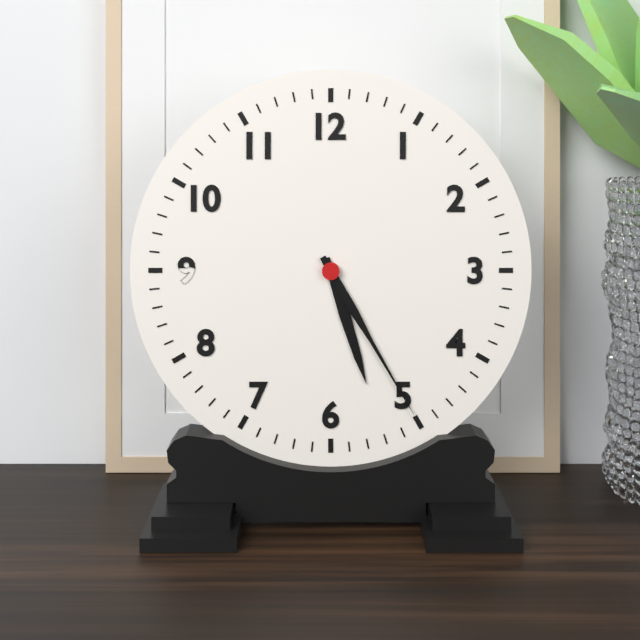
5h25
